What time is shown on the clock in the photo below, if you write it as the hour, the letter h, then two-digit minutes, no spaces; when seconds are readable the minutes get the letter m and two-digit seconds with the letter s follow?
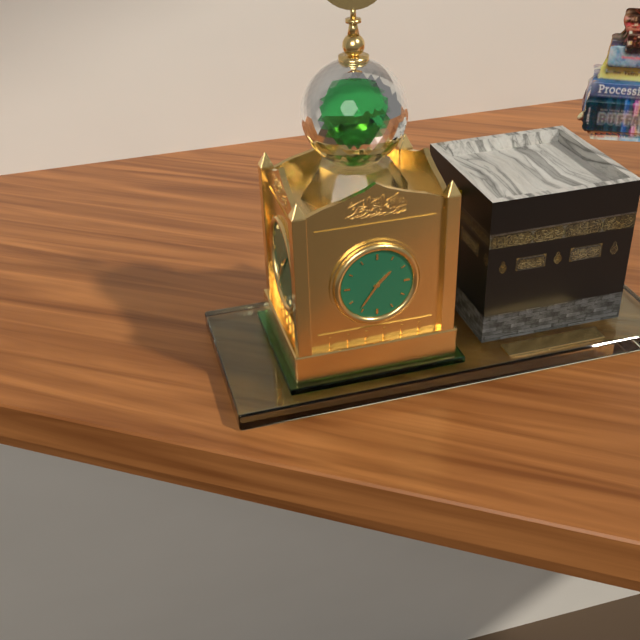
1h36
